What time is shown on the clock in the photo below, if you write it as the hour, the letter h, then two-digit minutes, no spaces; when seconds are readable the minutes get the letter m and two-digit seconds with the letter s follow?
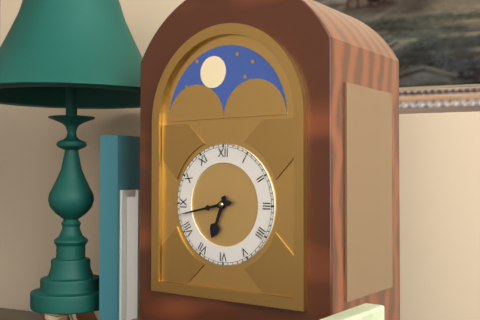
6h43
